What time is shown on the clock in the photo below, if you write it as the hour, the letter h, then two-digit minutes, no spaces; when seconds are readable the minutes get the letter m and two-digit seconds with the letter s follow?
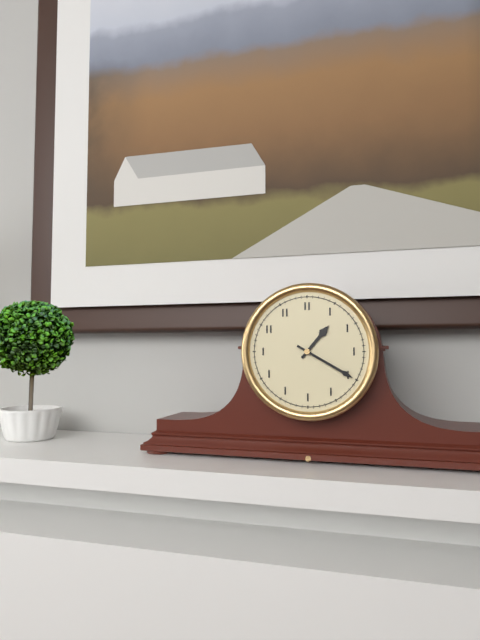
1h20
